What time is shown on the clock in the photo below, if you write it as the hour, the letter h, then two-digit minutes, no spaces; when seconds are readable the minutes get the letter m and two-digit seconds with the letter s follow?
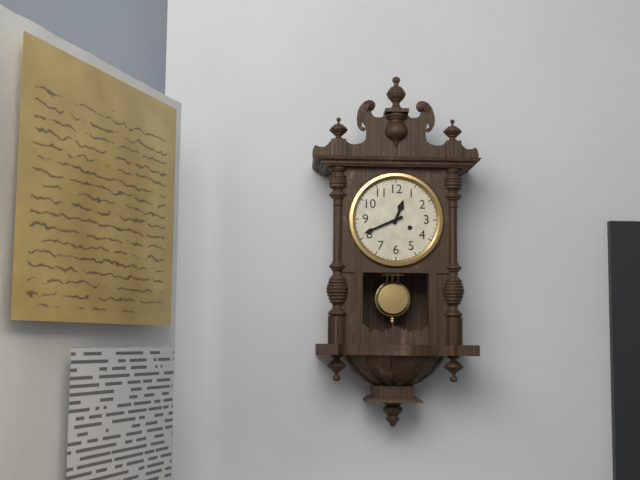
12h41
